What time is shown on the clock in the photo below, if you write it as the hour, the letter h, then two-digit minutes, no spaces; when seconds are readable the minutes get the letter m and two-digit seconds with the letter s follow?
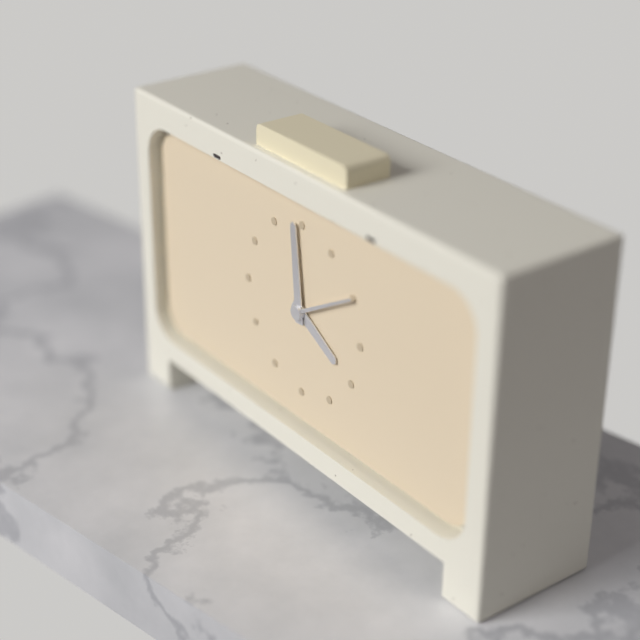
3h59m10s
